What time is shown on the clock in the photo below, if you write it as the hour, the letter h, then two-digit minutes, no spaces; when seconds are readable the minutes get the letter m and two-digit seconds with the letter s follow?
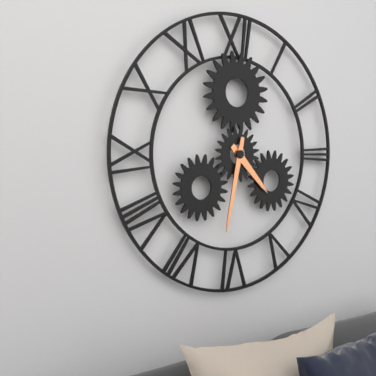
4h32
